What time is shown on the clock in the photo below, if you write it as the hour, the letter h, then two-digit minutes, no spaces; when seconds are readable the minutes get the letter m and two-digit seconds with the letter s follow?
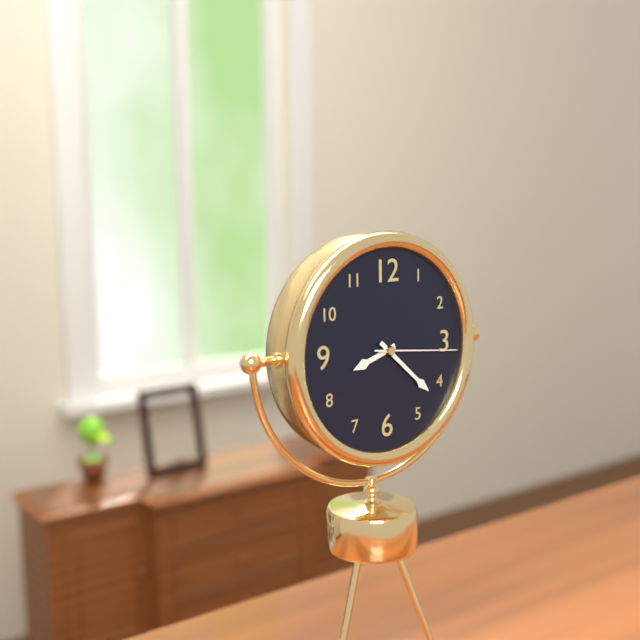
8h22m16s
